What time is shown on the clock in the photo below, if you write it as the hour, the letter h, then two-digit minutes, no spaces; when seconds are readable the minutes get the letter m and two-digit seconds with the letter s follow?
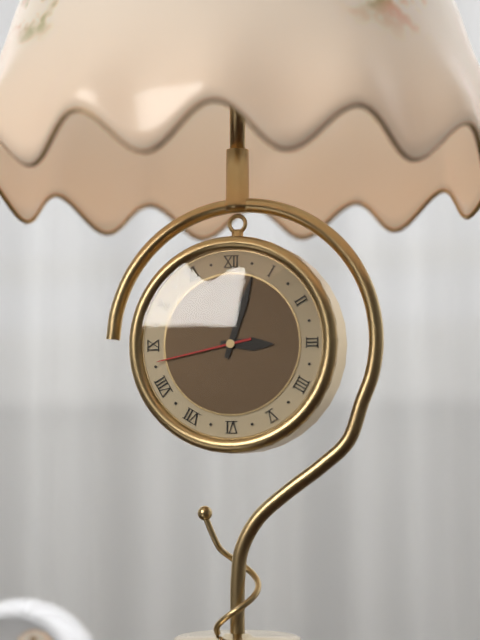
3h03m43s
